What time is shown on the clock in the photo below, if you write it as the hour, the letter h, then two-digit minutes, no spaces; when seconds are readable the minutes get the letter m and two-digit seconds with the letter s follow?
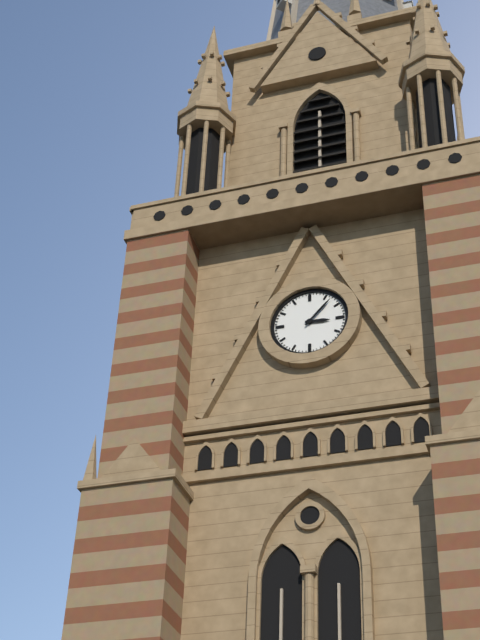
3h07
